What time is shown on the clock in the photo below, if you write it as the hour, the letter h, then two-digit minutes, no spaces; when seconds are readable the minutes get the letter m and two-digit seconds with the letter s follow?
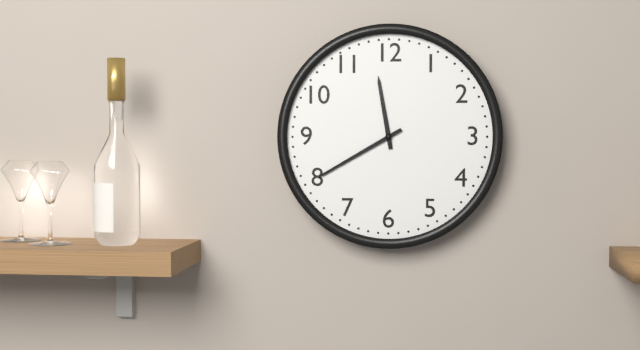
11h40
